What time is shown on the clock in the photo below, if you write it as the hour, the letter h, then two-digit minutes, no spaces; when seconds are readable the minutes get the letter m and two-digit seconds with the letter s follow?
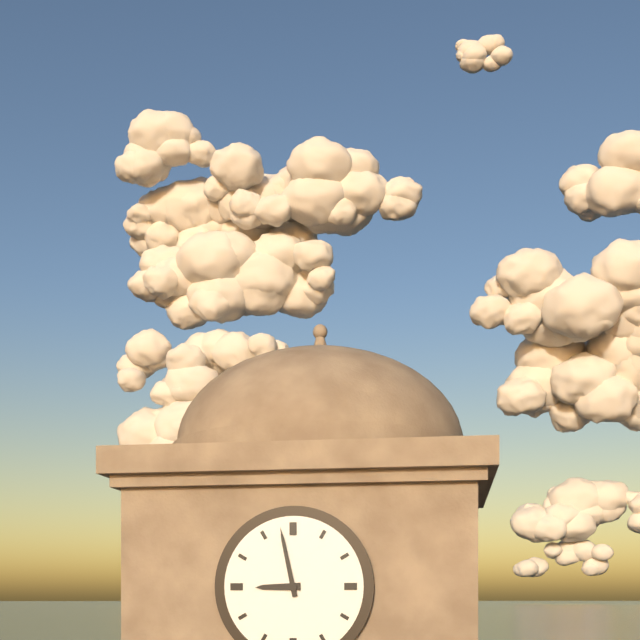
8h58
